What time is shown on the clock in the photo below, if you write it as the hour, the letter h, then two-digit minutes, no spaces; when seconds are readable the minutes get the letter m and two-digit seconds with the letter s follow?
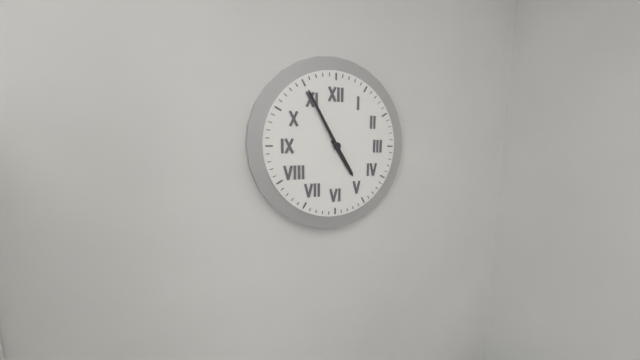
4h55
